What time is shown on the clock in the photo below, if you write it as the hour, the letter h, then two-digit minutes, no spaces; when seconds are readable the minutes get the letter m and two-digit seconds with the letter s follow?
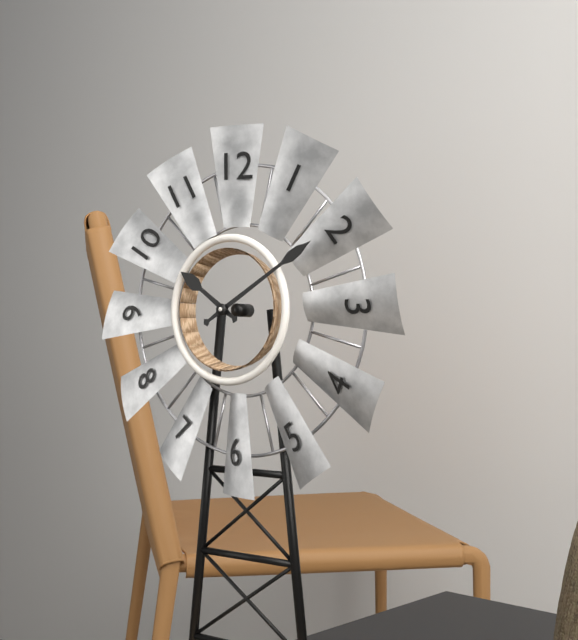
10h10
